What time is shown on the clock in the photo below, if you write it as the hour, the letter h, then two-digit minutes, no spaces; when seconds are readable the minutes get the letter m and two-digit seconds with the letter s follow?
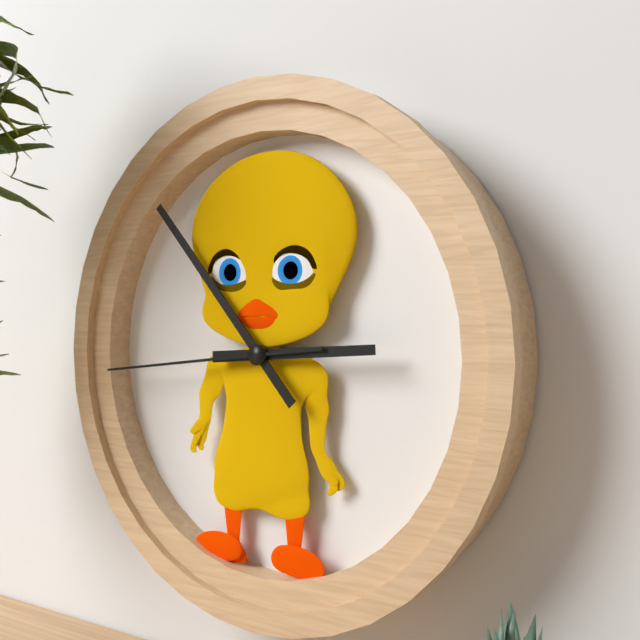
2h53m44s
